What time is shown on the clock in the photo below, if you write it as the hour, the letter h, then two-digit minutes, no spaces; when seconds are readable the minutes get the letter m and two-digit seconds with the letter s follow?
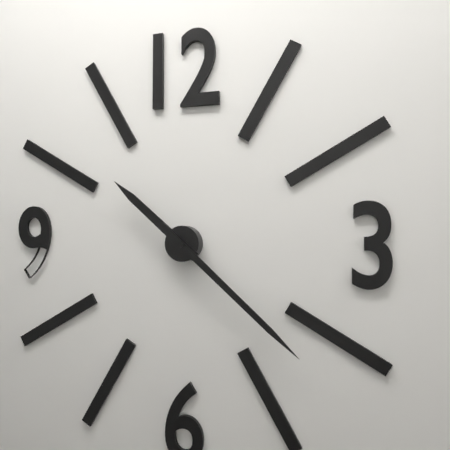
10h22
